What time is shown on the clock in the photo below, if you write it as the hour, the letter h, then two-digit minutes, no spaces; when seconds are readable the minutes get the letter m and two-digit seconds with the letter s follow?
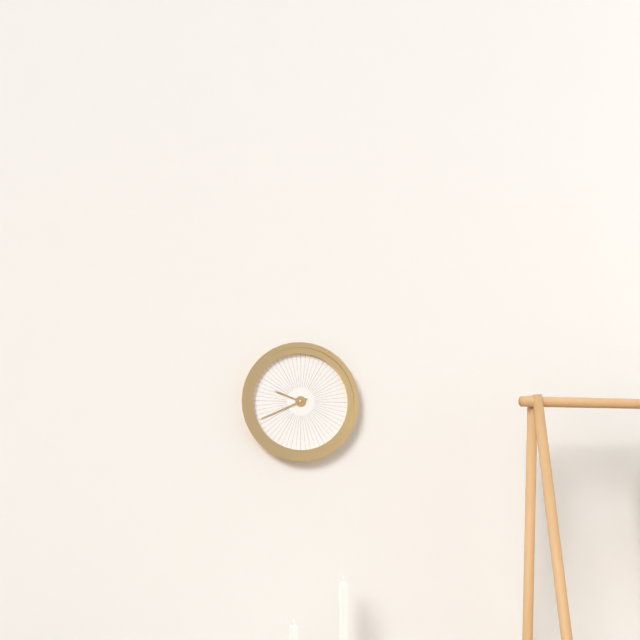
9h41
